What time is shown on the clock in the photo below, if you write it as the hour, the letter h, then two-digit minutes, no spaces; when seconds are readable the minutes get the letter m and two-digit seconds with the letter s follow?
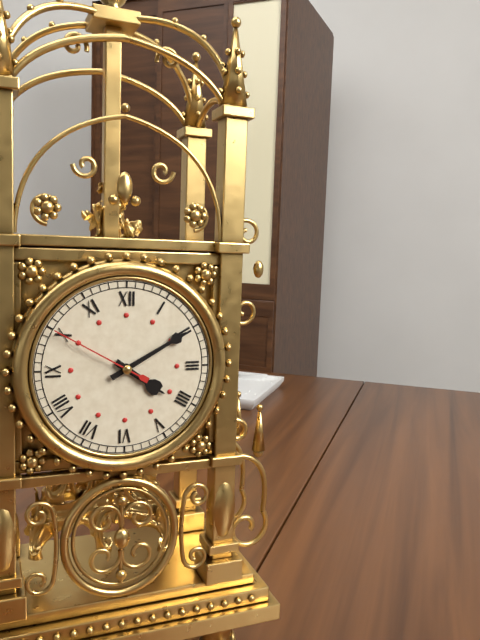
4h10m50s
